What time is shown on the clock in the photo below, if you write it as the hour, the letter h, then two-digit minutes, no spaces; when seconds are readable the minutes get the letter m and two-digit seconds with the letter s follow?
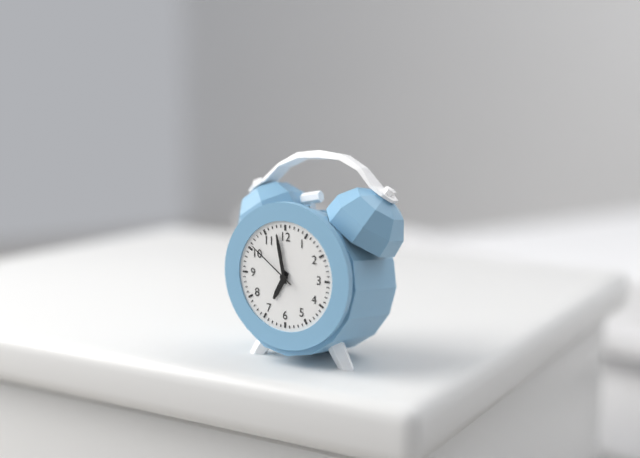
6h58m51s
